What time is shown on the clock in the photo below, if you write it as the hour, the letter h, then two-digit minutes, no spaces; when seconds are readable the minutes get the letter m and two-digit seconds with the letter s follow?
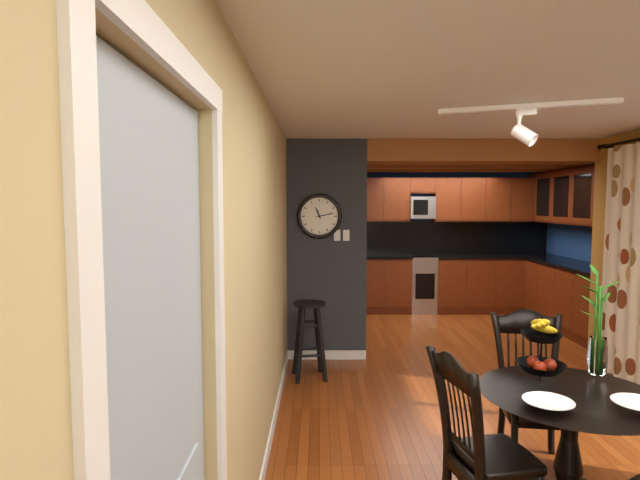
11h13
